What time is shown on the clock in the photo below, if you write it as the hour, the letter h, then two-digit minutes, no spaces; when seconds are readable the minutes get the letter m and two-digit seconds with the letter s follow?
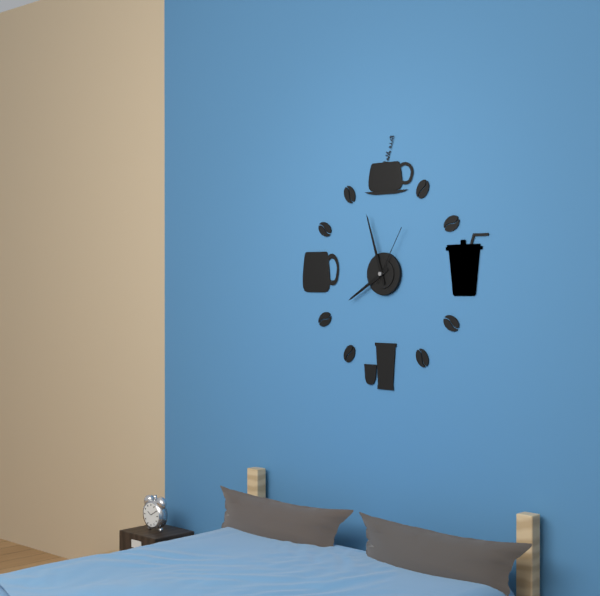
7h57m05s
